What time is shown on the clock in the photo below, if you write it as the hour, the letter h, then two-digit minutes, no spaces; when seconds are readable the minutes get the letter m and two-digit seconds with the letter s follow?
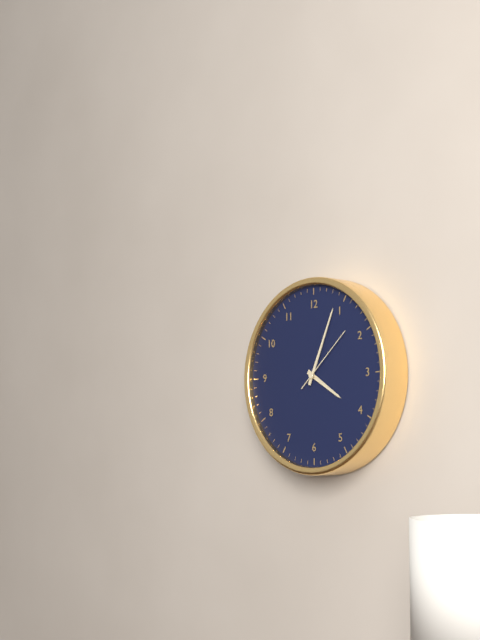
4h04m08s
